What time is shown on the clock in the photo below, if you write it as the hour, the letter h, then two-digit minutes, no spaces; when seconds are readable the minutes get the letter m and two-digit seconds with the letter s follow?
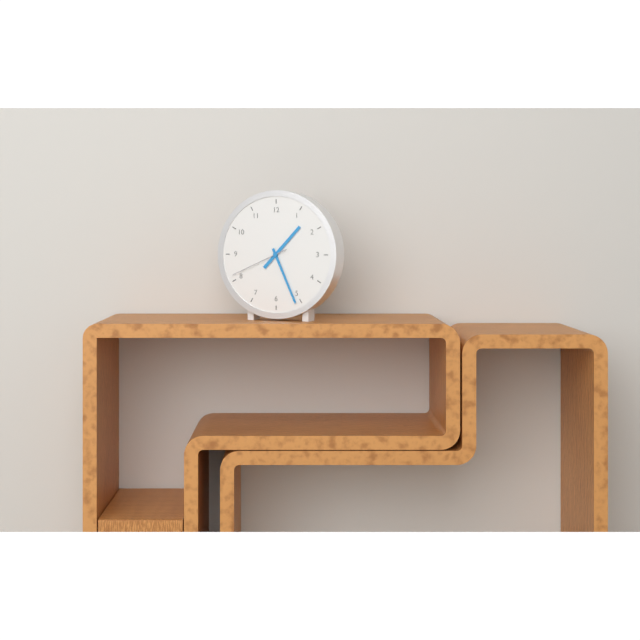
1h26m41s
